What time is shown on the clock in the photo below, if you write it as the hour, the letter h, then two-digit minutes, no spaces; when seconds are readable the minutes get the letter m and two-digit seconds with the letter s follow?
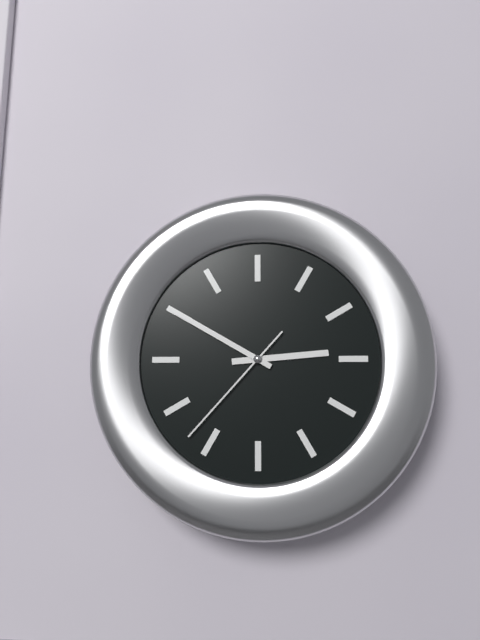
2h50m37s
